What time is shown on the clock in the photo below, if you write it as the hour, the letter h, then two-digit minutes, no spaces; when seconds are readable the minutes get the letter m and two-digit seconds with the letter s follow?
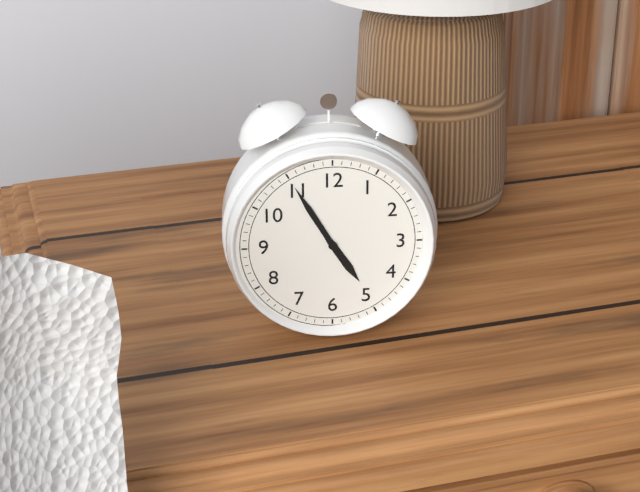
4h55
